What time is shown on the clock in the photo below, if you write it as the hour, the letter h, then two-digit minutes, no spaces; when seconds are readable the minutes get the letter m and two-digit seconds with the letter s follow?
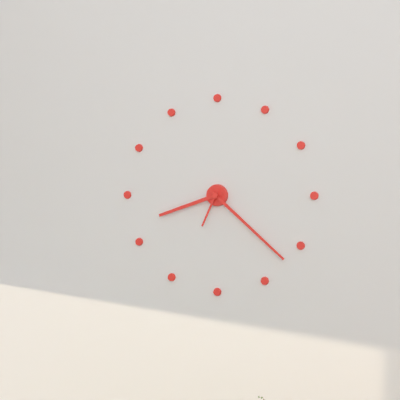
8h22
